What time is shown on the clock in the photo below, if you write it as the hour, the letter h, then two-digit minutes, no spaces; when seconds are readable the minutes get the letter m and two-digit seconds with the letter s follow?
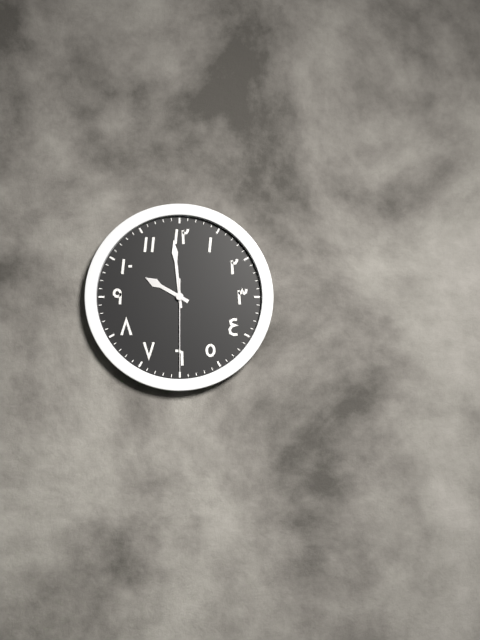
9h59m30s
